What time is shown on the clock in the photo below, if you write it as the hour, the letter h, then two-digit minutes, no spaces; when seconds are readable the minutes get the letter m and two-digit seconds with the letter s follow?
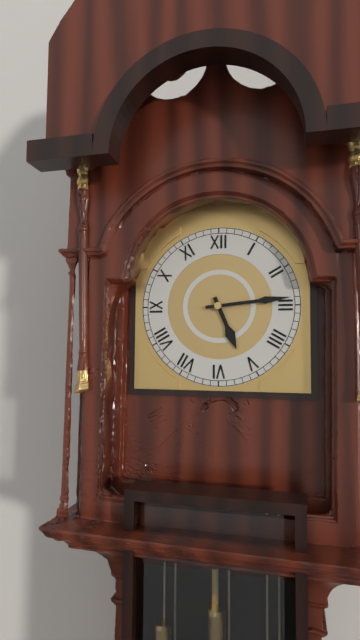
5h14
